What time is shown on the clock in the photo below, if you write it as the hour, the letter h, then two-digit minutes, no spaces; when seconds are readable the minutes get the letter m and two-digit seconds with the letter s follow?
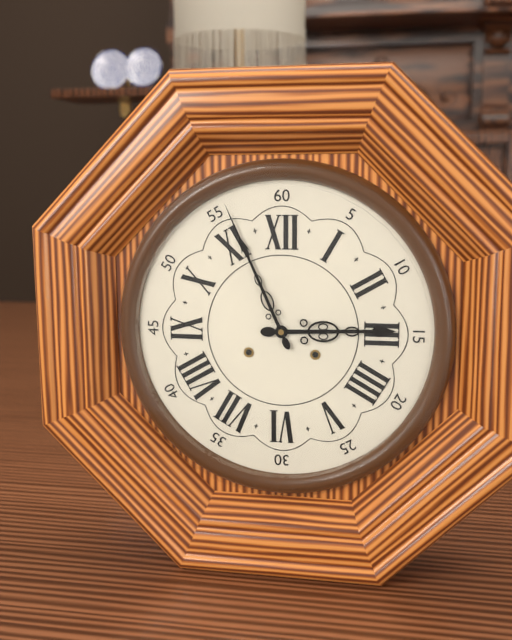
2h56
